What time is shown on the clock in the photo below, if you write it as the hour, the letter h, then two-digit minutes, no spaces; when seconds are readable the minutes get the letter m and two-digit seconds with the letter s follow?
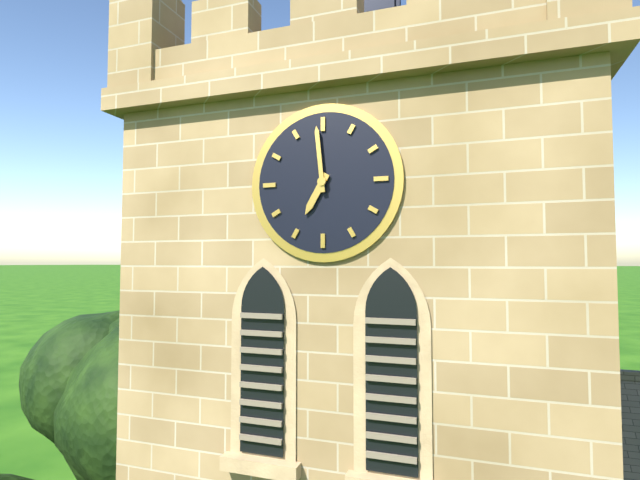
6h59
